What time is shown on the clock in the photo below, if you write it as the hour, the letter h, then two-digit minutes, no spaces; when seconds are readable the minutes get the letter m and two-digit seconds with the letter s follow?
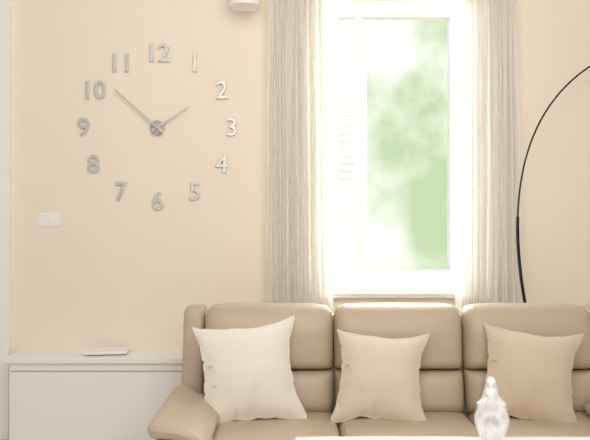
1h52
